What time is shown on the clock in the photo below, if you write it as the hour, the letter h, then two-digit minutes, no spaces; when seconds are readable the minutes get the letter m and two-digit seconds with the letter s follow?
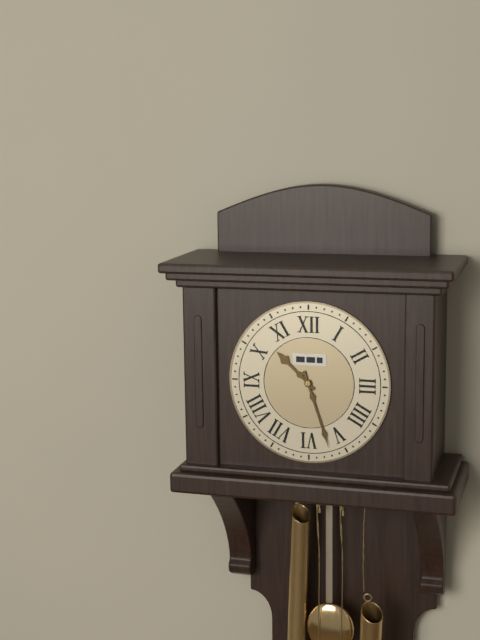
10h27
